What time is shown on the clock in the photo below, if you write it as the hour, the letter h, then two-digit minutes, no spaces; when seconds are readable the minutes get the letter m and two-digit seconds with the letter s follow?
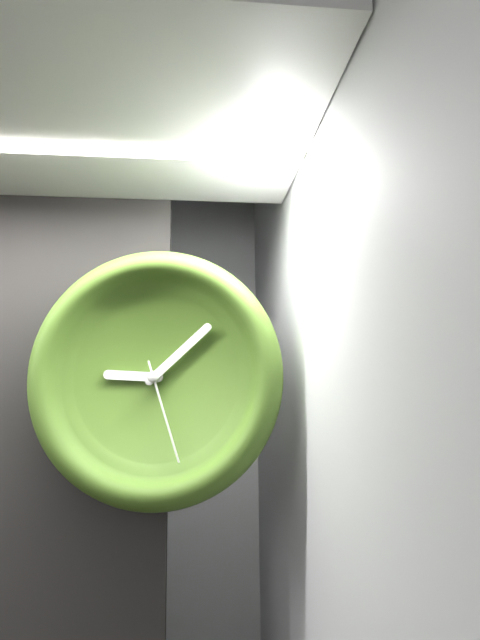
9h08m27s
